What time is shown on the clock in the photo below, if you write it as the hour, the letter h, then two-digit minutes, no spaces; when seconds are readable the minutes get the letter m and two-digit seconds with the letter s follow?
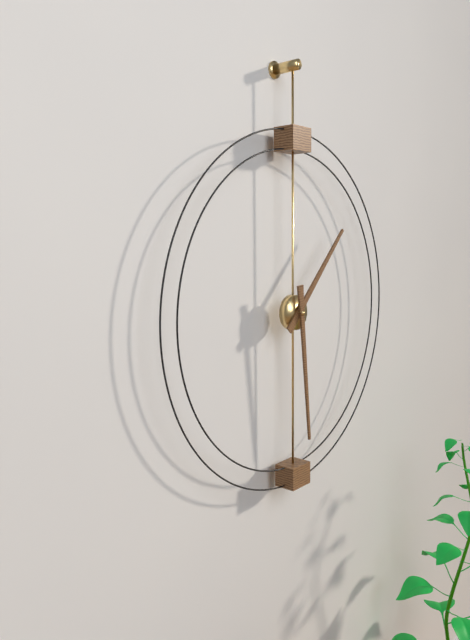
1h29
